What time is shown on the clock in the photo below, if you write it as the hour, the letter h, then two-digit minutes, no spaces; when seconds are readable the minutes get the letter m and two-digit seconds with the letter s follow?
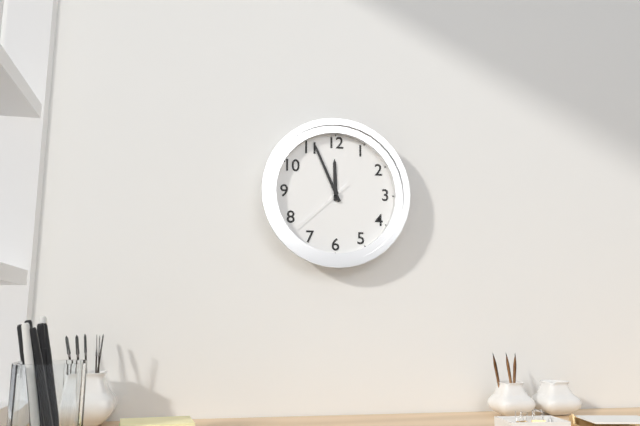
11h56m38s
